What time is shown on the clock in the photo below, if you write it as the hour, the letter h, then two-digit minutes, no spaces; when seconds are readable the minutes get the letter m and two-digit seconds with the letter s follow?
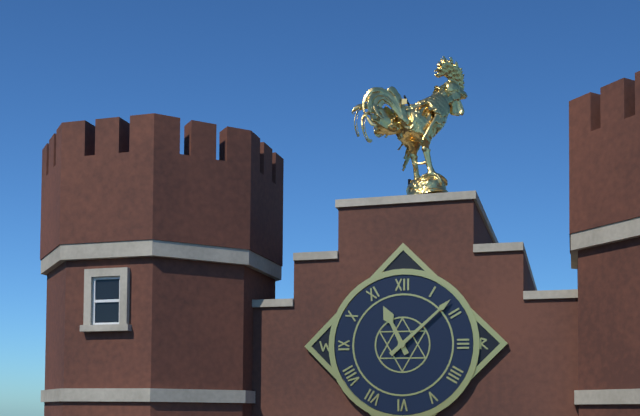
11h08
